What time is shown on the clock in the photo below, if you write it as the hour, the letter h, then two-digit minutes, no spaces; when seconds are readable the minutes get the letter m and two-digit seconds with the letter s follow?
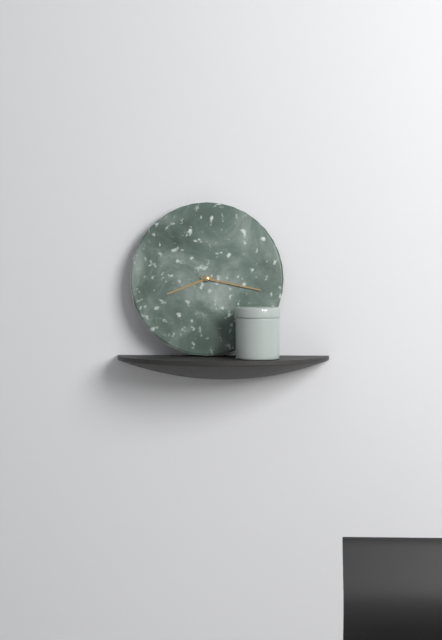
8h17
